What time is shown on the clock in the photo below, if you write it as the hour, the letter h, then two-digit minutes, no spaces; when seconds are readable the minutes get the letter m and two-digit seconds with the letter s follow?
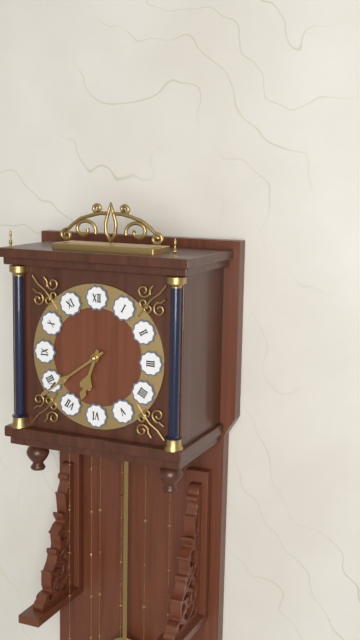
6h39
